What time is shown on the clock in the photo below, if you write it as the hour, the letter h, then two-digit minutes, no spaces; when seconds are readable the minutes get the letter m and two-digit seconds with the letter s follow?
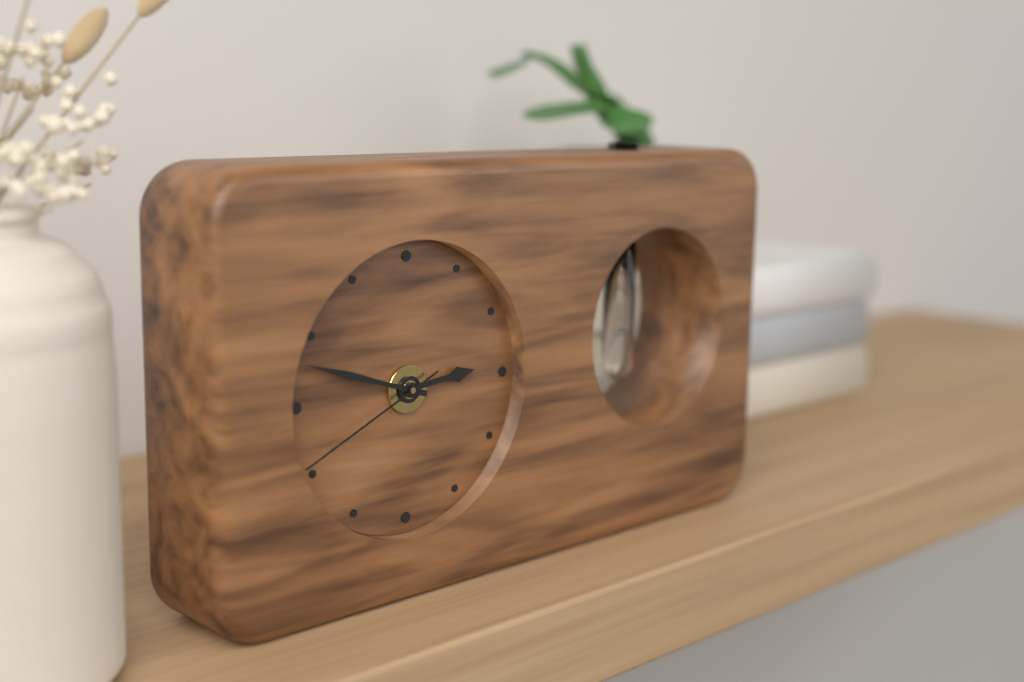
2h48m41s
